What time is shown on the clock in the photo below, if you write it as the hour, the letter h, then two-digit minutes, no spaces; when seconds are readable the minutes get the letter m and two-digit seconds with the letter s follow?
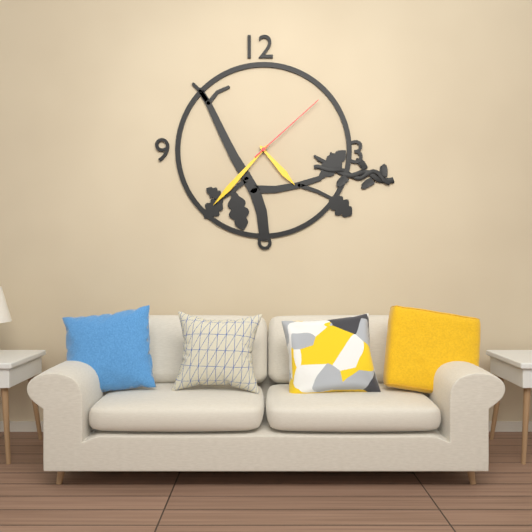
4h37m08s
